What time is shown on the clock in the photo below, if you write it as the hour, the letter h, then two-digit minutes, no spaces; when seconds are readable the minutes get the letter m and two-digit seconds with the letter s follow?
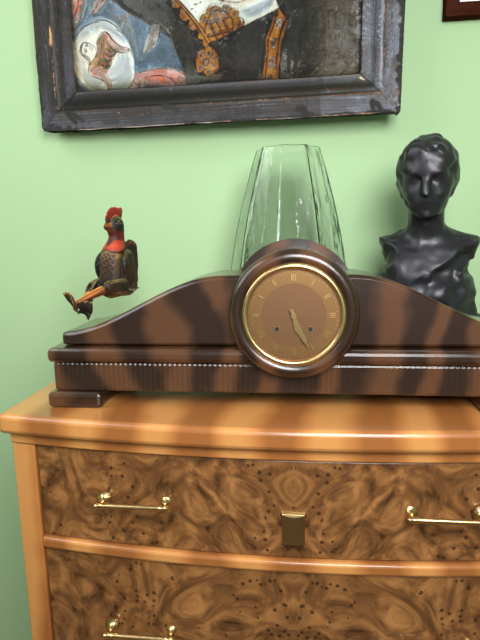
5h26
